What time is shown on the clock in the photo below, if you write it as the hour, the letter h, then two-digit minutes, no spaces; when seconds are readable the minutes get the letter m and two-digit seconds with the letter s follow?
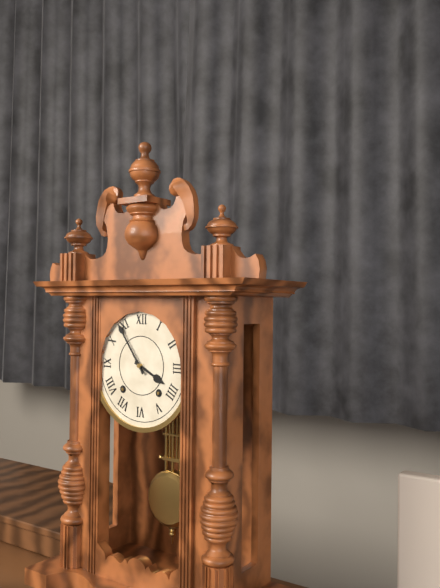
3h54
